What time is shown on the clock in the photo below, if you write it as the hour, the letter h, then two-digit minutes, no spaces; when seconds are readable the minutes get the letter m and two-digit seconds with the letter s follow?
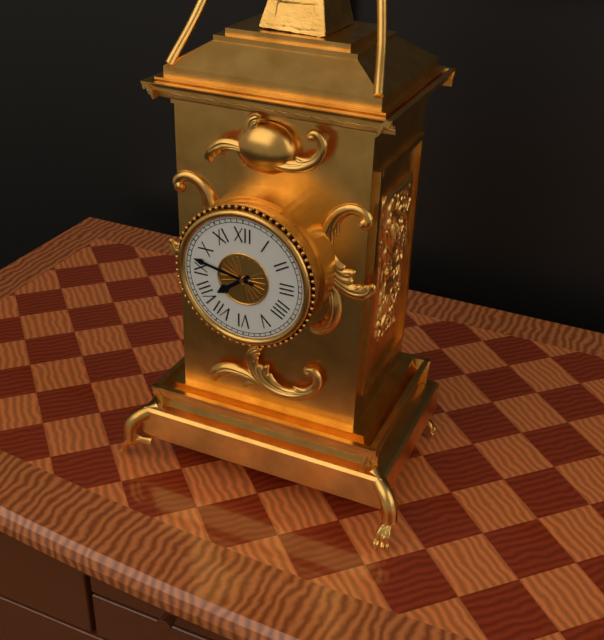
7h47
